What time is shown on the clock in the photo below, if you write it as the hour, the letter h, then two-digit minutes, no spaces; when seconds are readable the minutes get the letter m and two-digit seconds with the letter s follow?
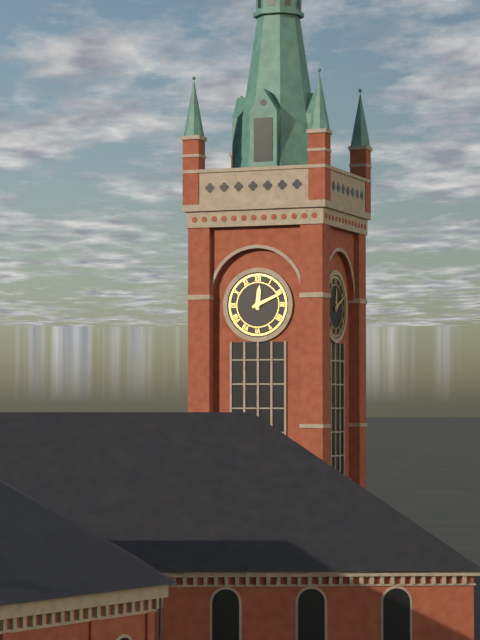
12h11
